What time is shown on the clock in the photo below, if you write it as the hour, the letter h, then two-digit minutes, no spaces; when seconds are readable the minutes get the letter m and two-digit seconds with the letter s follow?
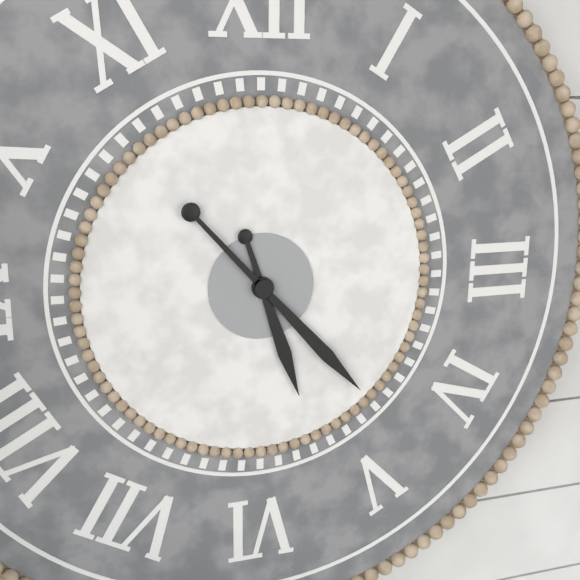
5h23
